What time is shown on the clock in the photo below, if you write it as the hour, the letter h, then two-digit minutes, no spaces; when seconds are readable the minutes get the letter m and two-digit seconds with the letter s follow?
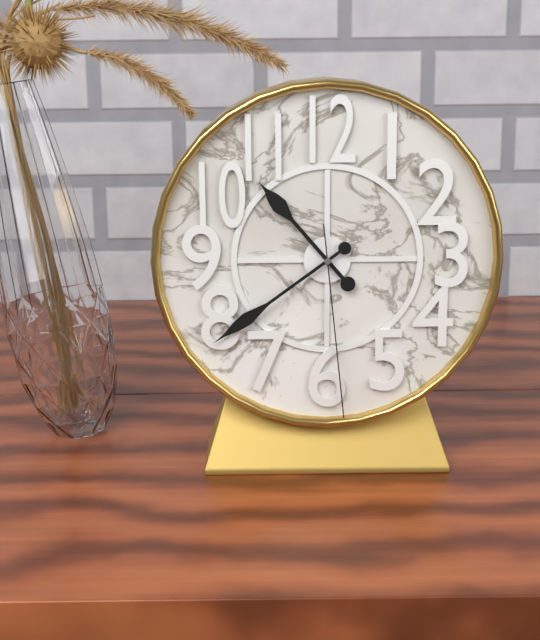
10h39m29s
